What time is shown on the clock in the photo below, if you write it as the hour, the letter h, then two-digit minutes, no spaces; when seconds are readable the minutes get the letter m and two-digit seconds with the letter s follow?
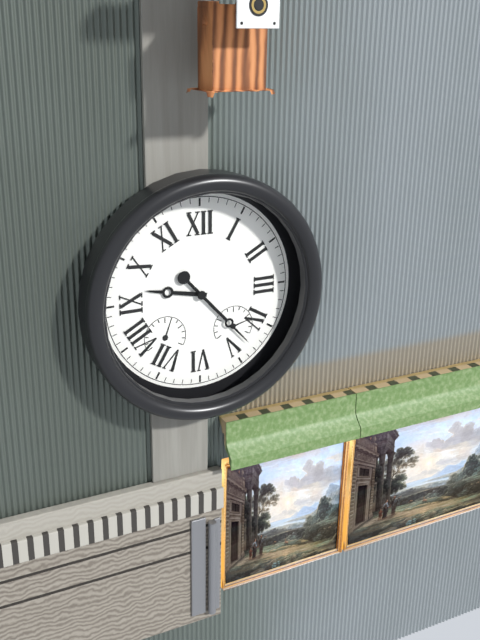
9h23
